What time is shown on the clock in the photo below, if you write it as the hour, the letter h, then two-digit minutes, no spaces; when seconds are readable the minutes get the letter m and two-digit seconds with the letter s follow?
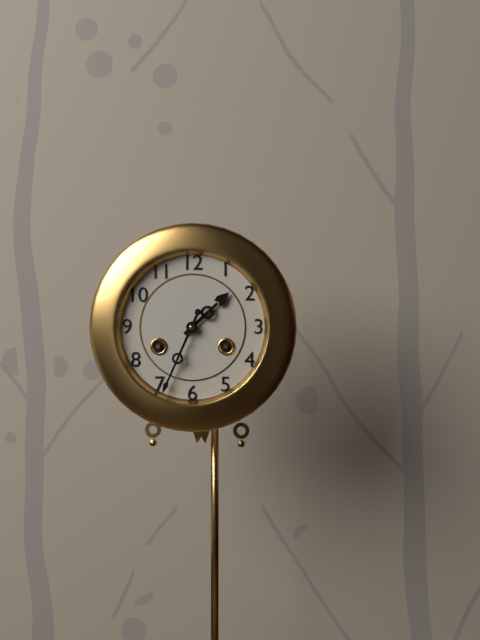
1h34
